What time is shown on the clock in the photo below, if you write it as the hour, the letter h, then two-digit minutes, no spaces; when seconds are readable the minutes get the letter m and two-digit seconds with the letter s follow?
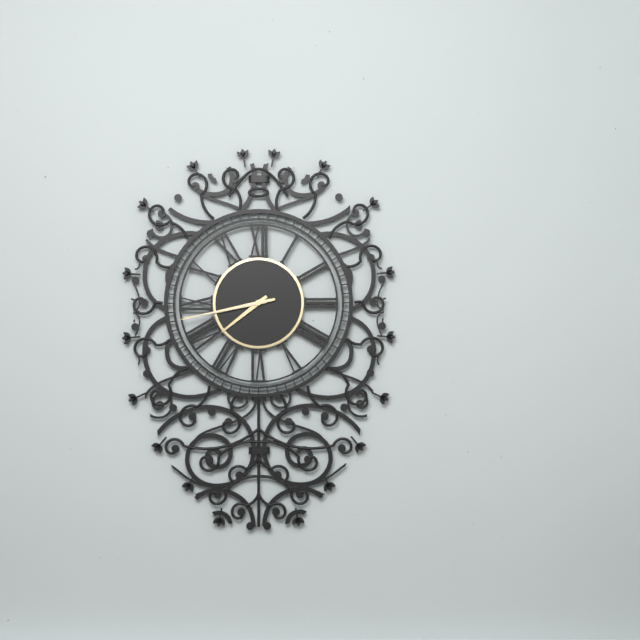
7h43m43s
